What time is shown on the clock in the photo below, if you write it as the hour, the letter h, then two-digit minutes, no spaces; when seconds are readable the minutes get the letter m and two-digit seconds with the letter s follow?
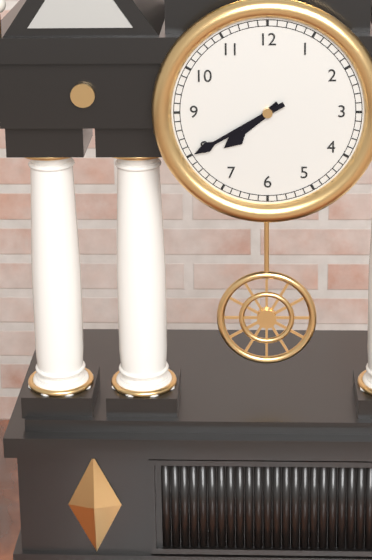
7h40
